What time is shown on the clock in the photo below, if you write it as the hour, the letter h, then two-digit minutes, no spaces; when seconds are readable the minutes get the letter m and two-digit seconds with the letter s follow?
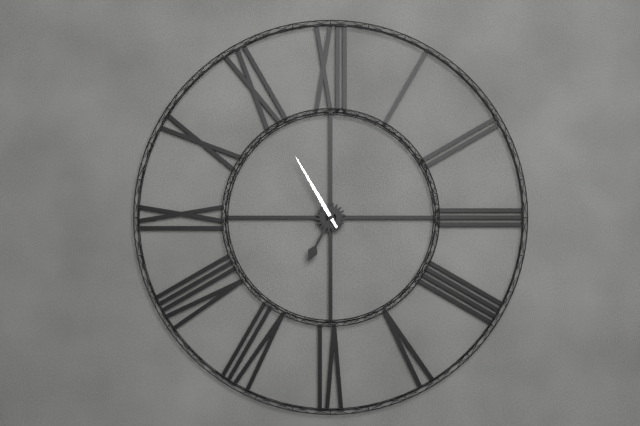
6h55
